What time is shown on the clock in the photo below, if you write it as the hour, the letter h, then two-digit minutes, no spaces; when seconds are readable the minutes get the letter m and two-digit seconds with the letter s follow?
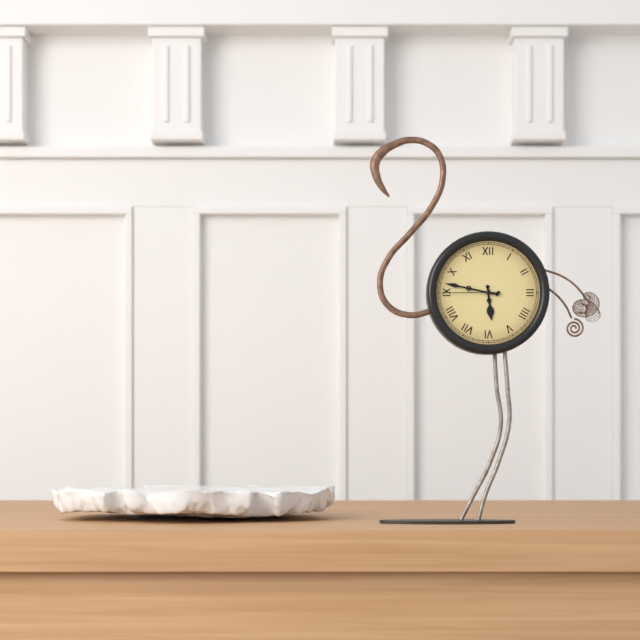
5h47m45s
